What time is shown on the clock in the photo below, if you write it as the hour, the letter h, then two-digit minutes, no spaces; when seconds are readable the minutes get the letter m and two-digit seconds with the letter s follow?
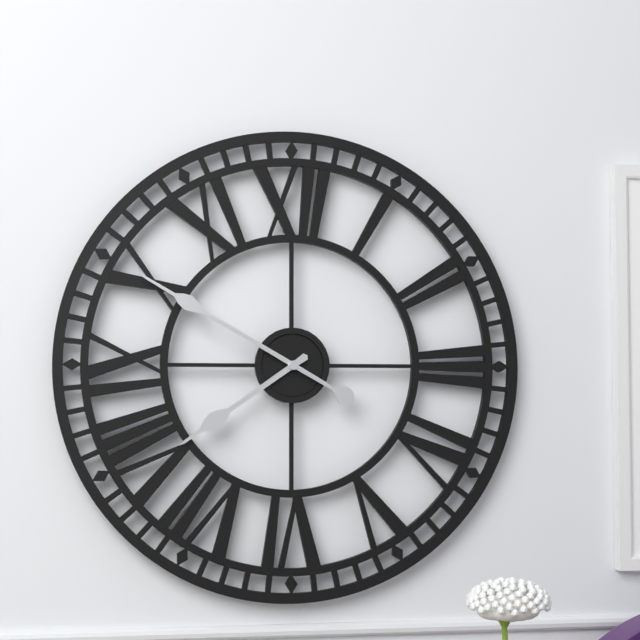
7h50
